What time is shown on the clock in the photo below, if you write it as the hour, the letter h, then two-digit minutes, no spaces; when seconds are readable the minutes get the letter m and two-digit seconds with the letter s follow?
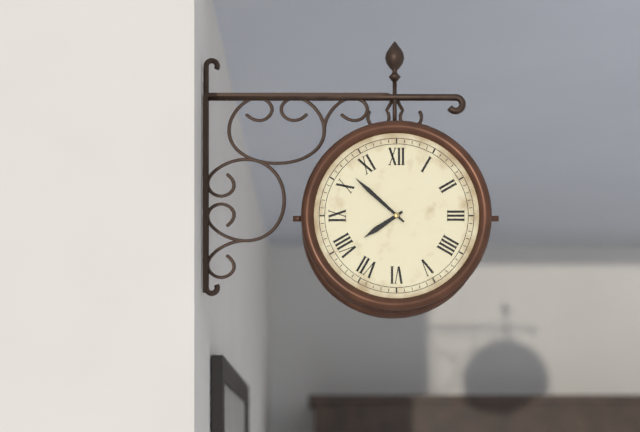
7h52
